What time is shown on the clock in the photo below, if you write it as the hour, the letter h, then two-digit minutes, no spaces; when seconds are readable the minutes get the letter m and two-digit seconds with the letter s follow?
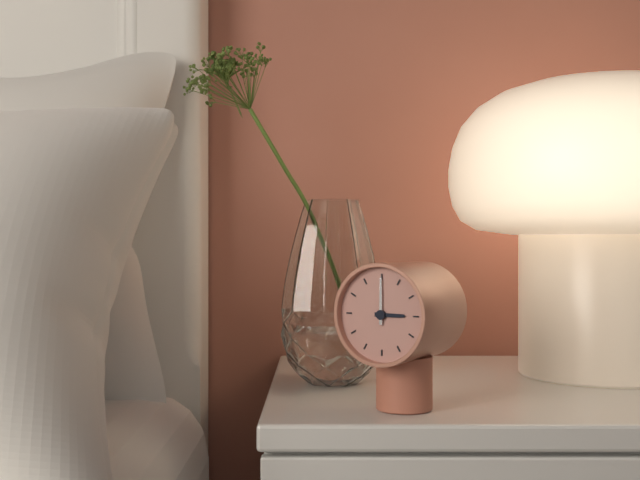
3h00
